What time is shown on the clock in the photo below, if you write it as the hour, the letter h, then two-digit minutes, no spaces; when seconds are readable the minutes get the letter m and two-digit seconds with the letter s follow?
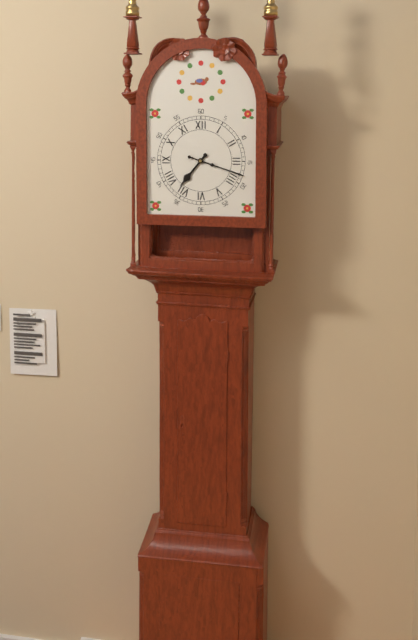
7h18
